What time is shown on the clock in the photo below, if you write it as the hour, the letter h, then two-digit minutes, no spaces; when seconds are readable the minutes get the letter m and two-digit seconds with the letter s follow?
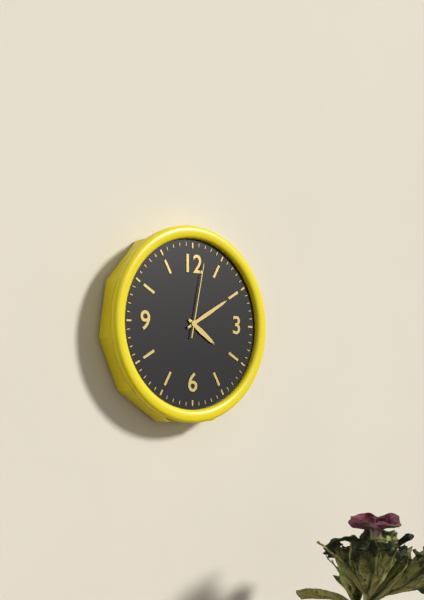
4h10m02s
